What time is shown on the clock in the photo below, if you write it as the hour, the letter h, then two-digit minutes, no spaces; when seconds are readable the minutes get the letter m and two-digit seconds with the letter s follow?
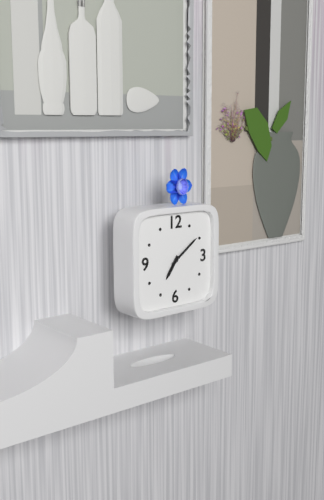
7h09
